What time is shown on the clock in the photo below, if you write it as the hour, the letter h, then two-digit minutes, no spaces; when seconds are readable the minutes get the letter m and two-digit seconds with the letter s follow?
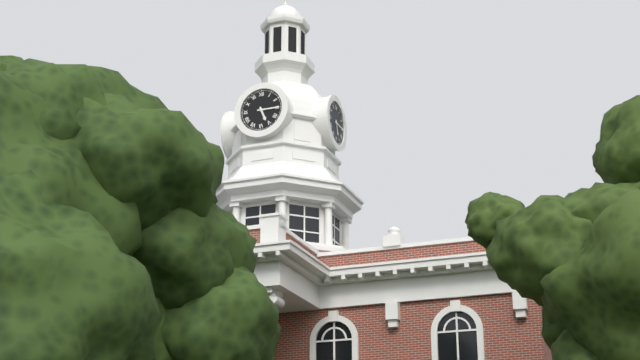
5h15
